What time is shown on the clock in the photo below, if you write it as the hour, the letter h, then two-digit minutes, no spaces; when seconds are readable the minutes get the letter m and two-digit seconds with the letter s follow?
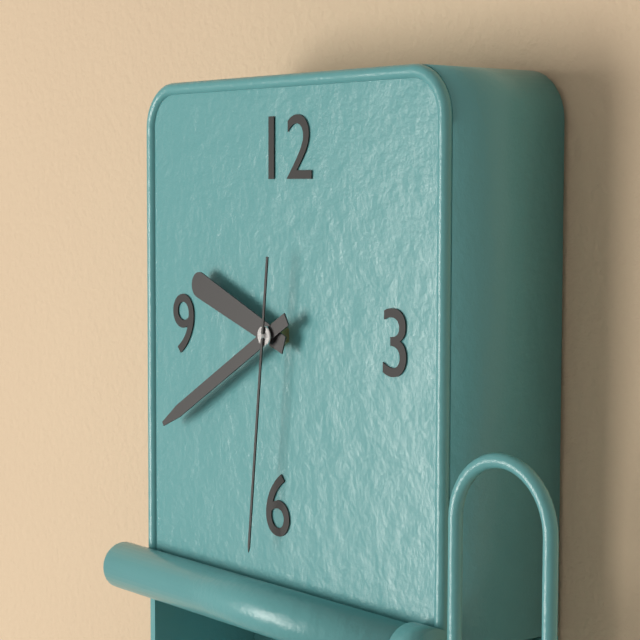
9h40m31s
